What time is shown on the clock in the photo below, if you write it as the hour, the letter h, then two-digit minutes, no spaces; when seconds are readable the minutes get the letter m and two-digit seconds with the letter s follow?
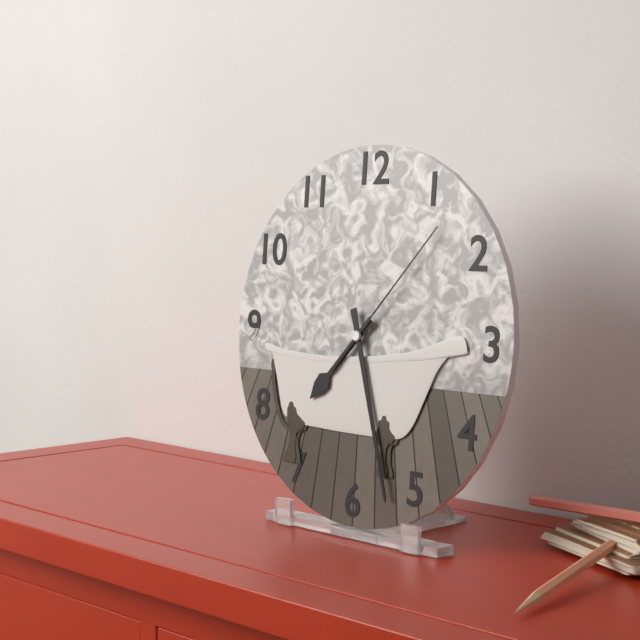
7h27m07s
